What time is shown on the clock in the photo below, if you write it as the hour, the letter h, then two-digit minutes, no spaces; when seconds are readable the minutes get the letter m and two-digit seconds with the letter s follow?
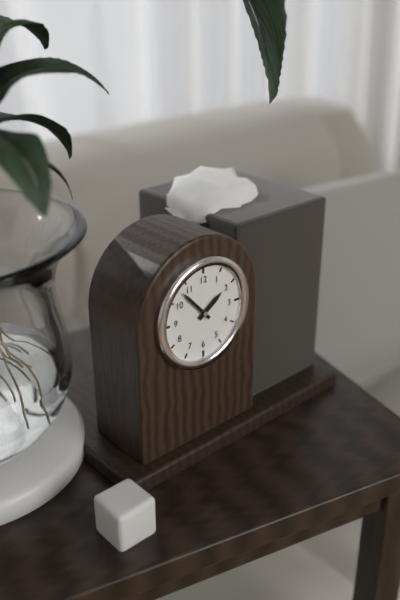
1h53
